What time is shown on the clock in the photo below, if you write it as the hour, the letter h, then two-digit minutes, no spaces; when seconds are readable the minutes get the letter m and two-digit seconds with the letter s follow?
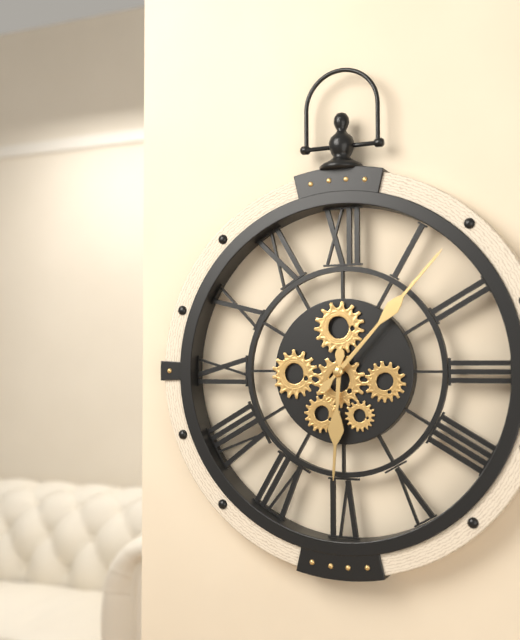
6h07
